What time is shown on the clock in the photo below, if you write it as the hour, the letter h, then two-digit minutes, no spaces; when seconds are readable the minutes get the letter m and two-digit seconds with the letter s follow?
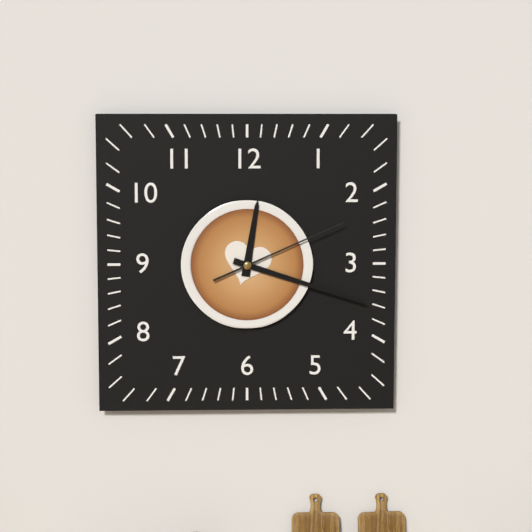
12h18m11s
